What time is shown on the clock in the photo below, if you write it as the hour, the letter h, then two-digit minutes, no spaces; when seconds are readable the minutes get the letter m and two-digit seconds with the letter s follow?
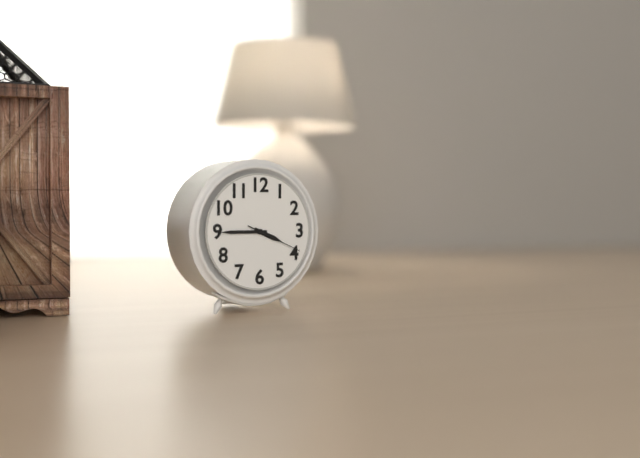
3h45m19s
